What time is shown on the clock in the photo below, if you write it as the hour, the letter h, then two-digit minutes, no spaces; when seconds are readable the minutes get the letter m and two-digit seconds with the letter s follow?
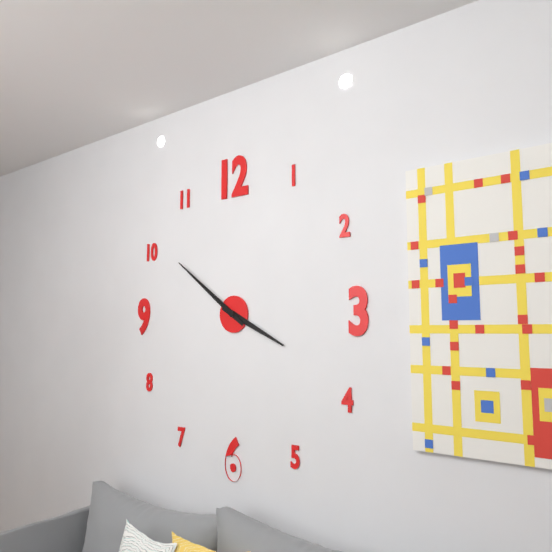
3h51
